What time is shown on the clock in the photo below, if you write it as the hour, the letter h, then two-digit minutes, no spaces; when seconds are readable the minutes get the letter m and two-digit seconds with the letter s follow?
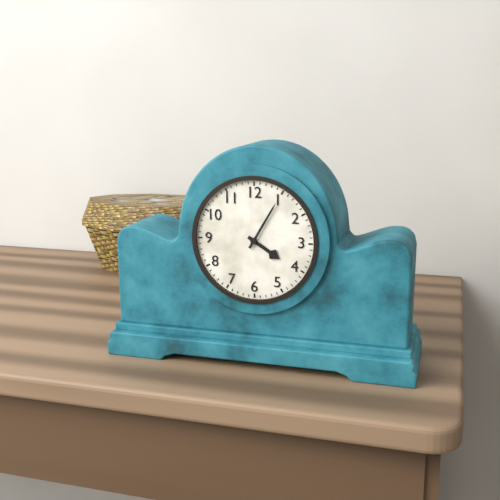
4h05
